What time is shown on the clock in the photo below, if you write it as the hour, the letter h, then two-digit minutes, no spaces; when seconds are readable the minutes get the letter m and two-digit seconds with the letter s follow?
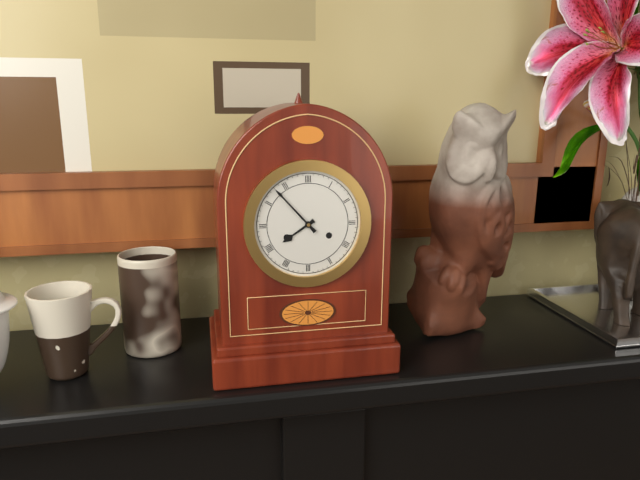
7h53
